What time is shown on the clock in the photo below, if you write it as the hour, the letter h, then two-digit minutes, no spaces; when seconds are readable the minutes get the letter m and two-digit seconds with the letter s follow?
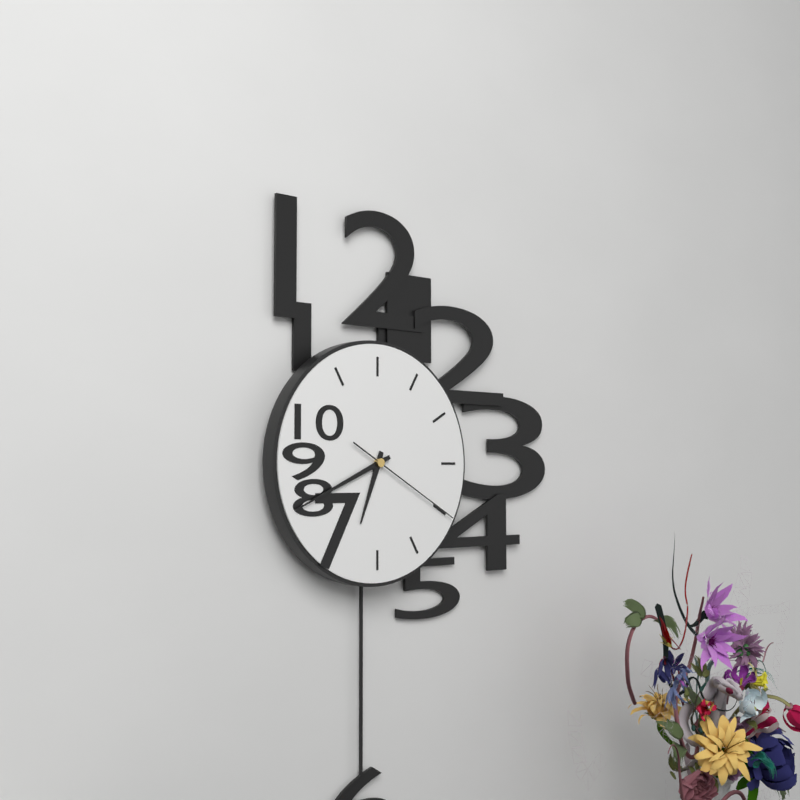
6h41m20s
